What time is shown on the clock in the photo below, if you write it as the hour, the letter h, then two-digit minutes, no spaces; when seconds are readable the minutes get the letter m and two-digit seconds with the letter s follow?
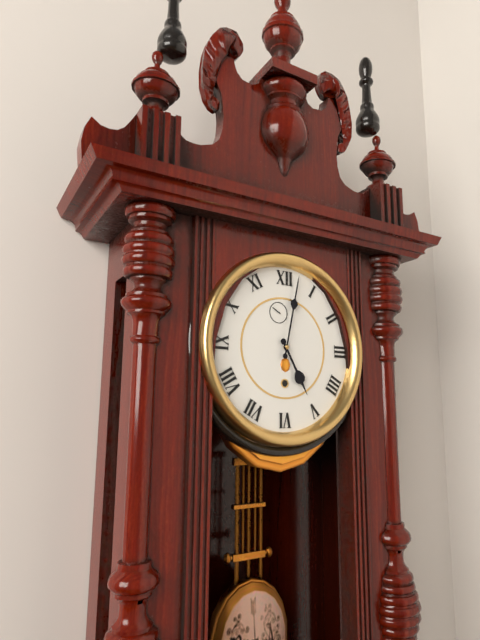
5h02
